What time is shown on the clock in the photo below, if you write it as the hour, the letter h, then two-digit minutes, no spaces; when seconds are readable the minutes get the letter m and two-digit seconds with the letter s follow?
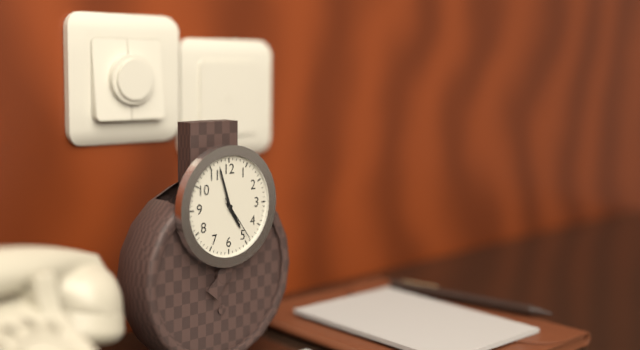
4h57
